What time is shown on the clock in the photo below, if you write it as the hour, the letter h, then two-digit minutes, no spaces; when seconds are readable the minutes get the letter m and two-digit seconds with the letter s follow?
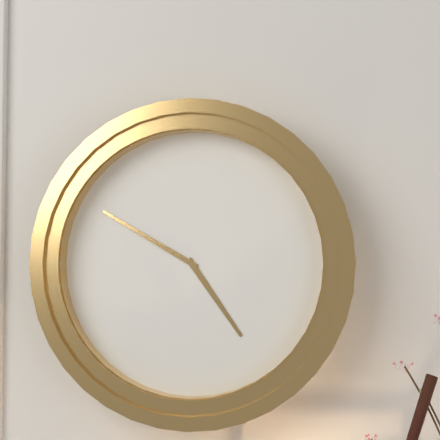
4h50
